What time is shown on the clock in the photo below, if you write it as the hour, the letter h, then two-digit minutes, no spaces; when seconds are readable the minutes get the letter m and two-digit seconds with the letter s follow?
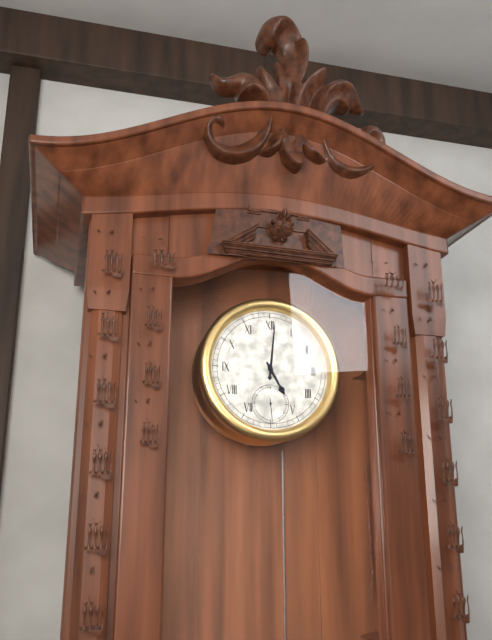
5h01
